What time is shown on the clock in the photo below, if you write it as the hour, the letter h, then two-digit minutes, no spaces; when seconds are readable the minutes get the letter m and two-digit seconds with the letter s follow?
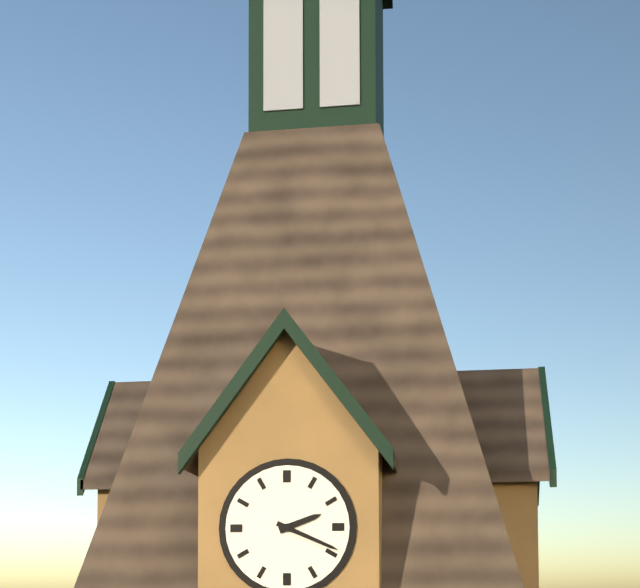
2h19
